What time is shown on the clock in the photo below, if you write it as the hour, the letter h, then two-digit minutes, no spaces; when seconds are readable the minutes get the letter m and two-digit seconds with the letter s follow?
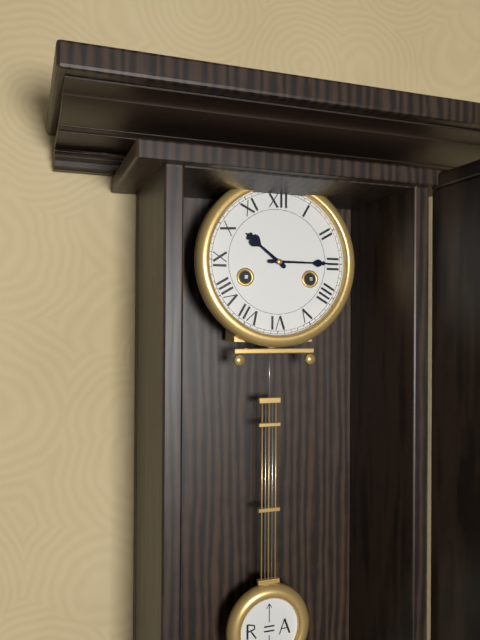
10h15
